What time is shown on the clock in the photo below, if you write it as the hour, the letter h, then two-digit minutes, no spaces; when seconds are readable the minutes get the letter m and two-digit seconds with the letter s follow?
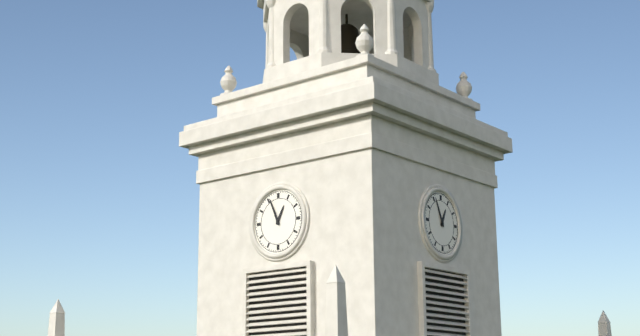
12h56
